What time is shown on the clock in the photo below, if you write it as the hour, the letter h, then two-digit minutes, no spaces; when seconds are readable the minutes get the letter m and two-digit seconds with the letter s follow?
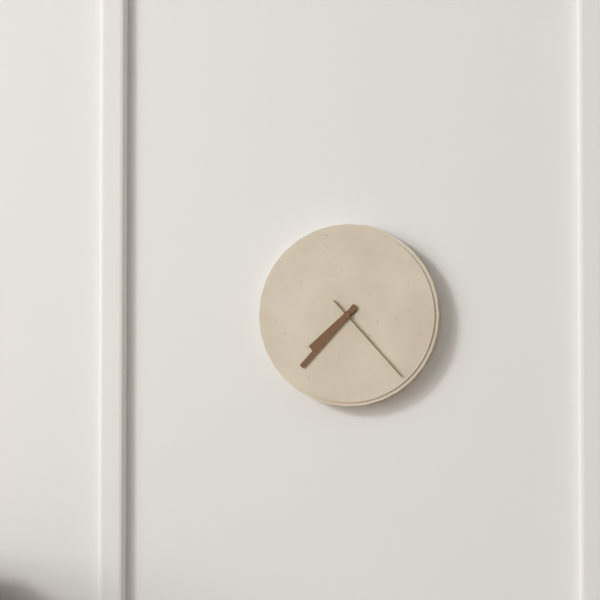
7h37m23s
